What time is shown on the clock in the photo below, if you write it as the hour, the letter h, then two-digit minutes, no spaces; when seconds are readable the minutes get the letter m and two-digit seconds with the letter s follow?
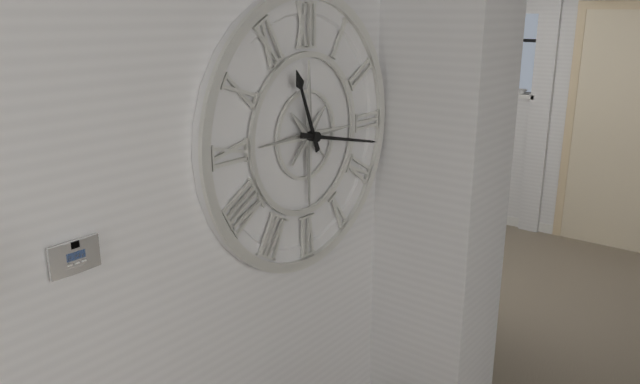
11h17
